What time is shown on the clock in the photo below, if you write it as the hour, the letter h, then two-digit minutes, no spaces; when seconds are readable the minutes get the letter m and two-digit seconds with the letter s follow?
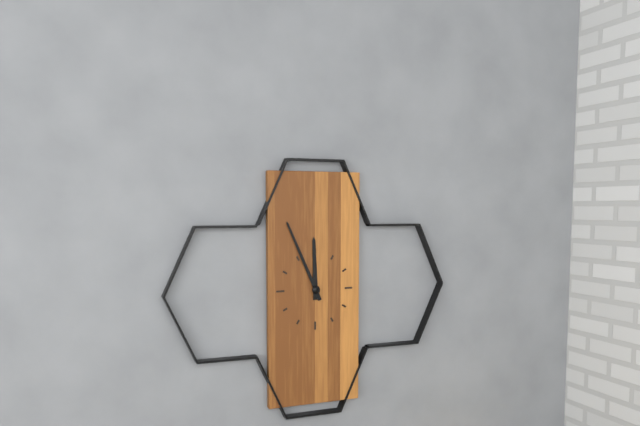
11h56
